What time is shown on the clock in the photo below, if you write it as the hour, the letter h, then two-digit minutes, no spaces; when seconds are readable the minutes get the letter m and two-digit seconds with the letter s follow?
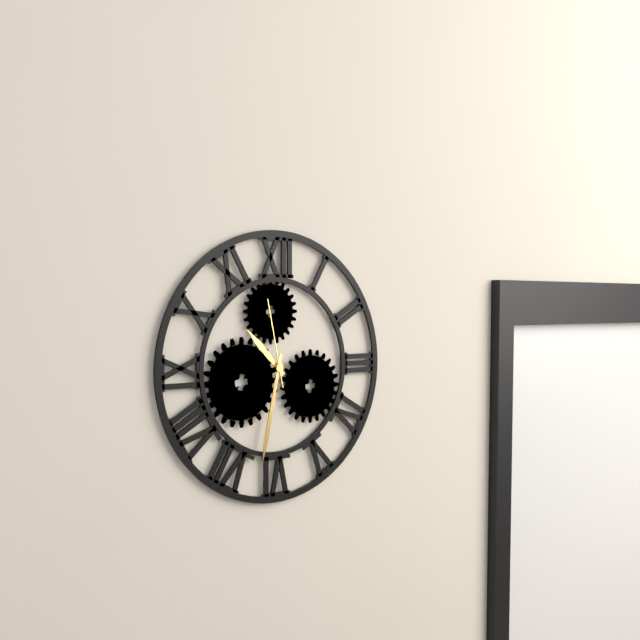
10h32m58s
